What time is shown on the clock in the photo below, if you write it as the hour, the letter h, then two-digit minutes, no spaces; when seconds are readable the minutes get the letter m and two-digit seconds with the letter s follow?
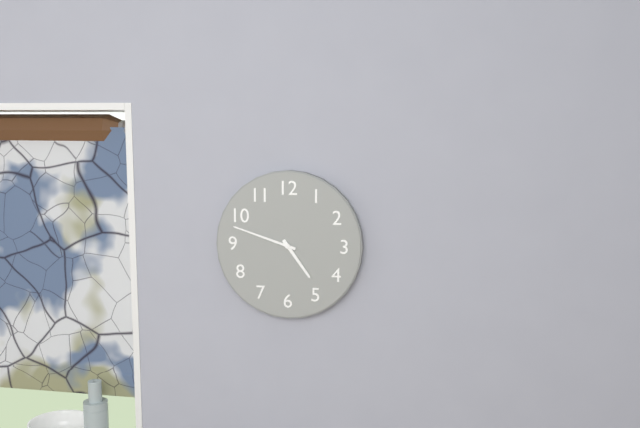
4h48
